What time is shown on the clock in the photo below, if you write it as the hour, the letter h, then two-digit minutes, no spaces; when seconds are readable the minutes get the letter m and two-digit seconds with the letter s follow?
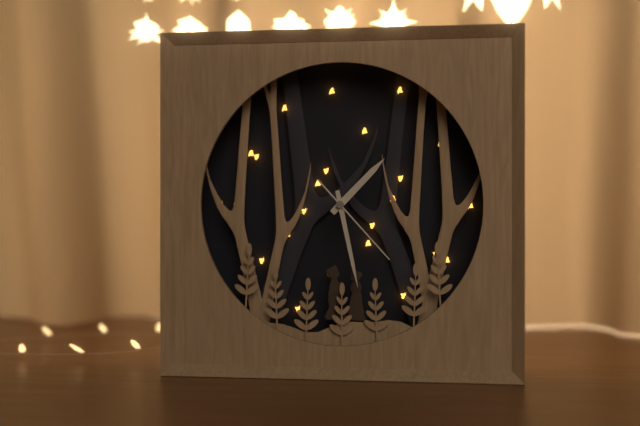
1h28m23s
